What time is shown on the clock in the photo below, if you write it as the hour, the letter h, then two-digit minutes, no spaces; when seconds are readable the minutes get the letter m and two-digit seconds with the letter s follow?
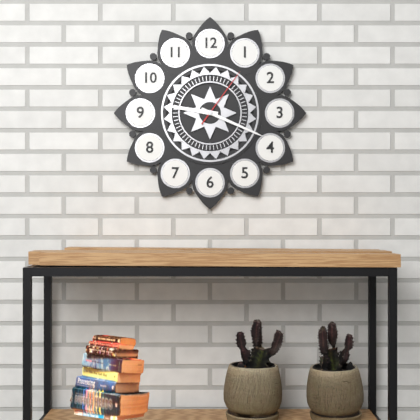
9h19m06s
